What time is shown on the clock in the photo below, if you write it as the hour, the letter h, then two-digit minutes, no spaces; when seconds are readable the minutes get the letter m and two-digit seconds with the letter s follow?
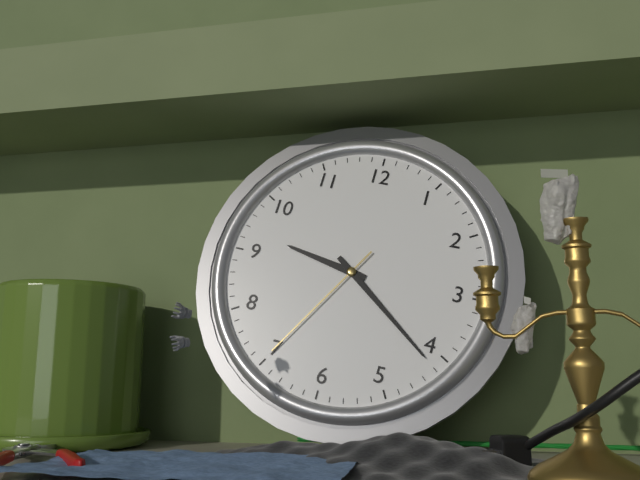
9h21m35s
